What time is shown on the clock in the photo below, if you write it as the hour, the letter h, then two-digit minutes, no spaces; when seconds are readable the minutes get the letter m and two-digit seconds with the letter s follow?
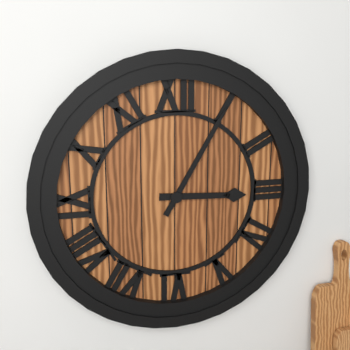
3h05
